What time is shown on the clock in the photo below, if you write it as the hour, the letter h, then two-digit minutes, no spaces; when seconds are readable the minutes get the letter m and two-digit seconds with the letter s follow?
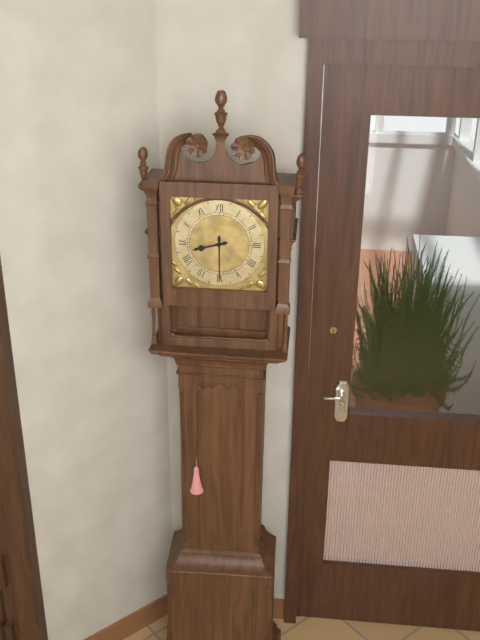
8h30
